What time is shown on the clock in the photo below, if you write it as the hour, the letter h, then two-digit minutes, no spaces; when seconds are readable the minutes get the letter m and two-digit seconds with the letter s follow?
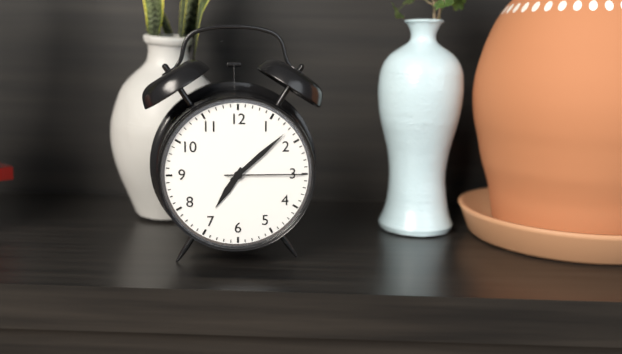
7h08m15s
